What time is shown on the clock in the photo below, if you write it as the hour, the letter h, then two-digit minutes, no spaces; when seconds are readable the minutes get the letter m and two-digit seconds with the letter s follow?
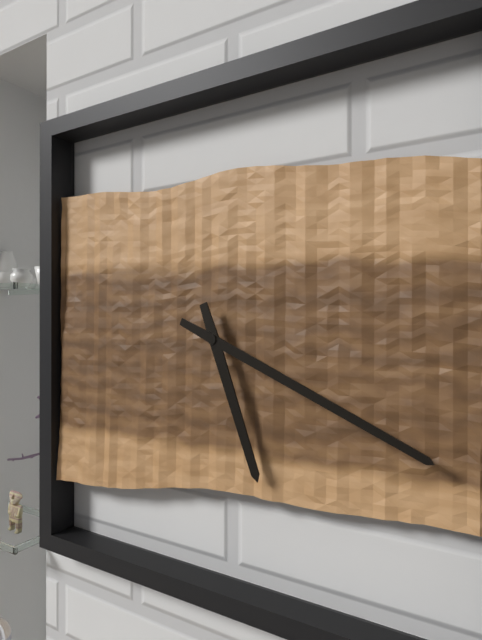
5h19
